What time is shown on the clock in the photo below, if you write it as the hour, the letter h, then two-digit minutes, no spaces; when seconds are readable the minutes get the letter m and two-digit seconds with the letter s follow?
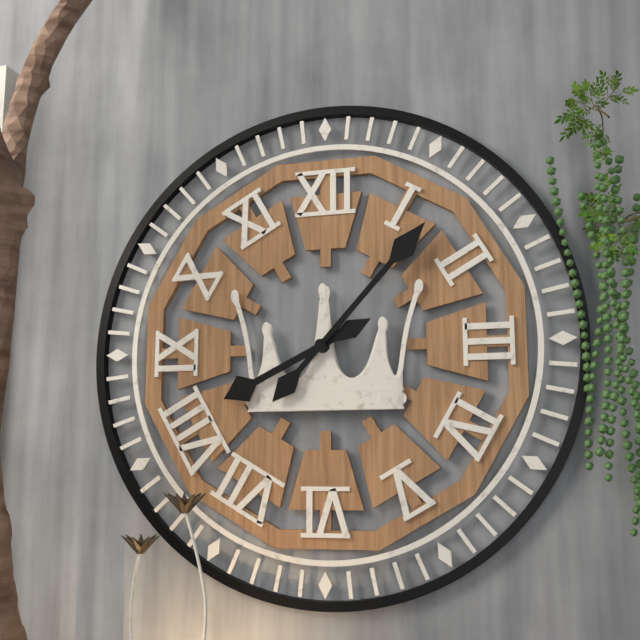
8h07
